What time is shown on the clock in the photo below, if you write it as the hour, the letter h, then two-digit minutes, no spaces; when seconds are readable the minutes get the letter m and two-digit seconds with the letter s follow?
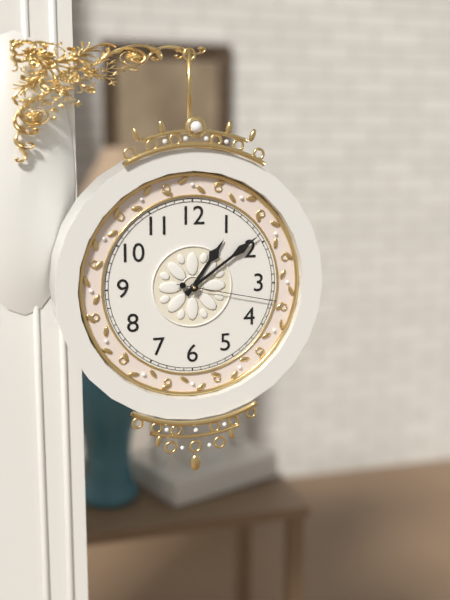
1h09m17s
